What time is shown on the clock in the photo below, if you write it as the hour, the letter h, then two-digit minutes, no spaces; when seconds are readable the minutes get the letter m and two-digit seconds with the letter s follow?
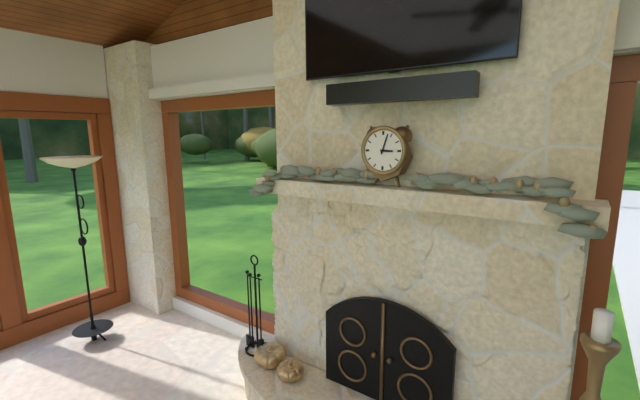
3h03
